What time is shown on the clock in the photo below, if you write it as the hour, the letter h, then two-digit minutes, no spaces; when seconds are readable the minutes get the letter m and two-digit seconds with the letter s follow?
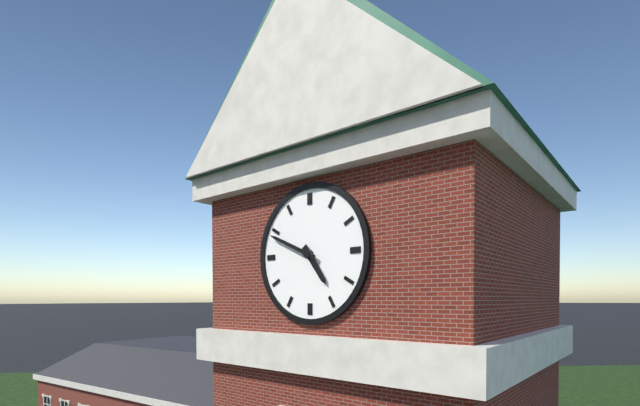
4h49
